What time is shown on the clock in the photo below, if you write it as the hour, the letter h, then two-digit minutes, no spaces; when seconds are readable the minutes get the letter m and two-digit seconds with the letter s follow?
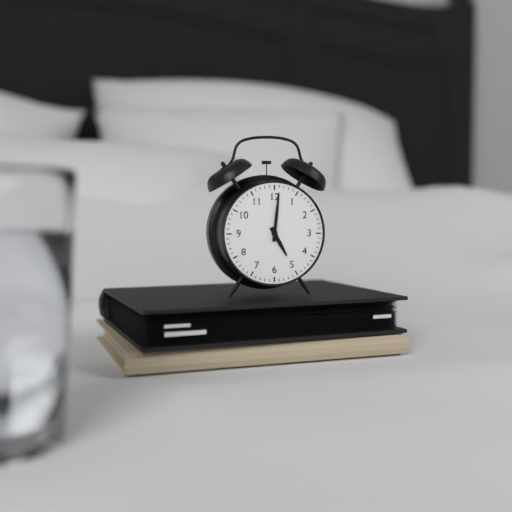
5h01
